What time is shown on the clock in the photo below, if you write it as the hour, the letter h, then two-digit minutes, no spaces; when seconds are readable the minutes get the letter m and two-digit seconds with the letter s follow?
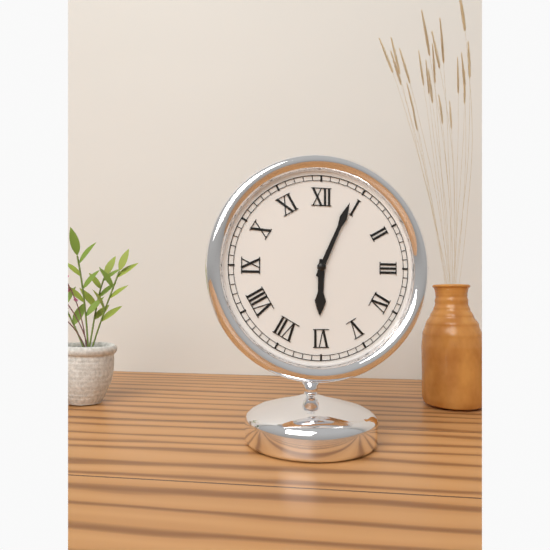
6h04
